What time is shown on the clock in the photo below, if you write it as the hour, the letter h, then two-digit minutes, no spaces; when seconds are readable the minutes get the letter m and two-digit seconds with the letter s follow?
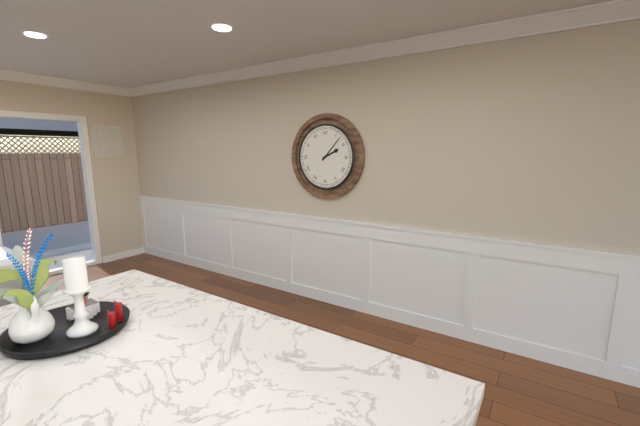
2h07
